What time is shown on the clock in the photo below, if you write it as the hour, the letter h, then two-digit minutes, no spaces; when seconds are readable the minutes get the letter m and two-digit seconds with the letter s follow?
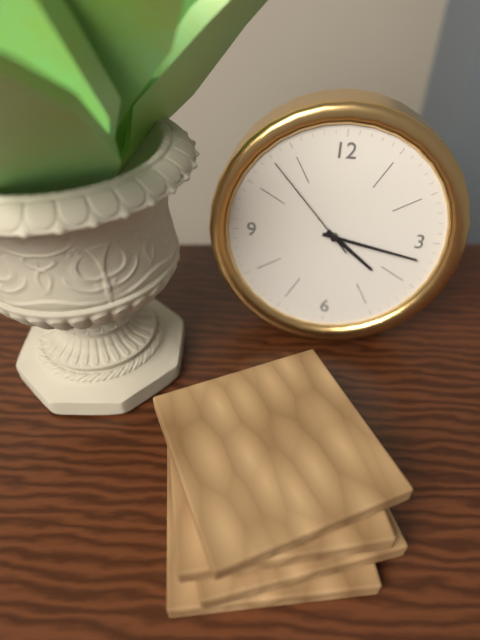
4h17m53s
